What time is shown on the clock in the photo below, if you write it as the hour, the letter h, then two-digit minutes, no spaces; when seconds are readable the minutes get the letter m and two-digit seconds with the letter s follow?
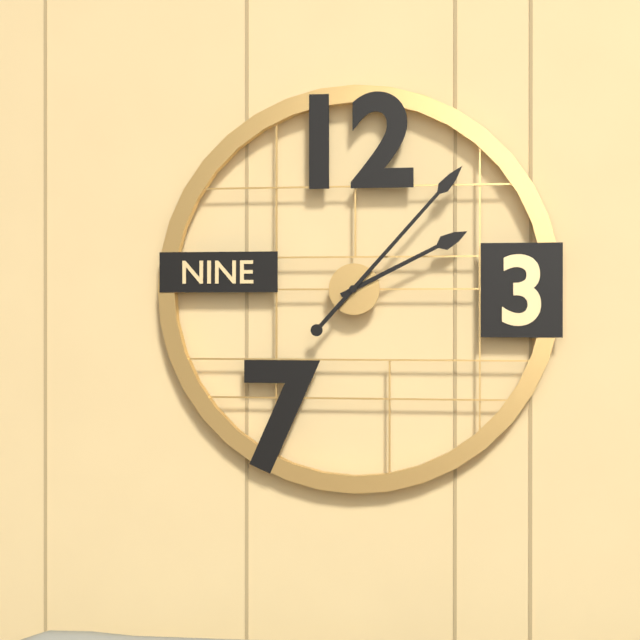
2h07
